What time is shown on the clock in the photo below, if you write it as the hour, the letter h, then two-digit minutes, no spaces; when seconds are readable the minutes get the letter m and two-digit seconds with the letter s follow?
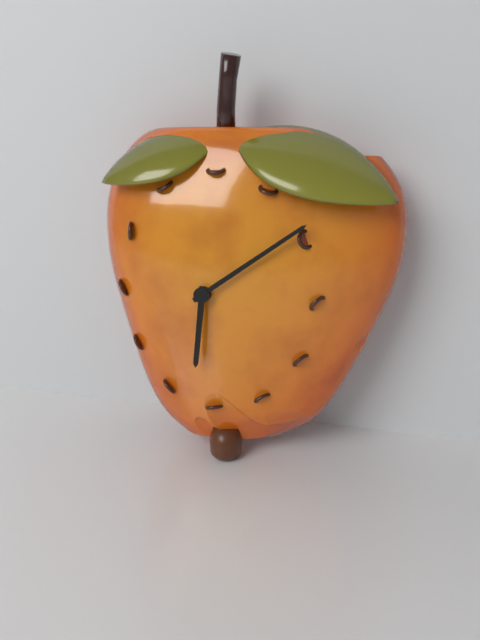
6h09
